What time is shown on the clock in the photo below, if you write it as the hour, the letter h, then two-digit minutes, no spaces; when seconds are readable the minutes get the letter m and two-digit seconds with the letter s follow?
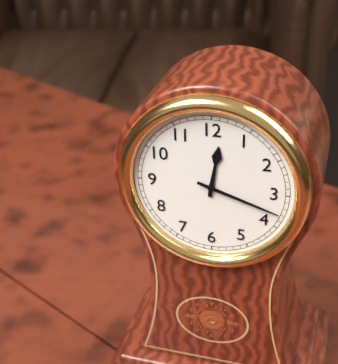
12h18
